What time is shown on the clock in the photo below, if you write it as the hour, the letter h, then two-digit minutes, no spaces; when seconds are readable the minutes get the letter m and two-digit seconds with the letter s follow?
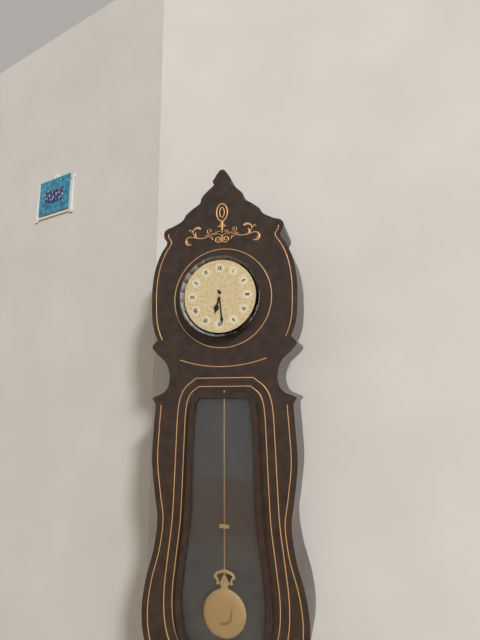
6h29
